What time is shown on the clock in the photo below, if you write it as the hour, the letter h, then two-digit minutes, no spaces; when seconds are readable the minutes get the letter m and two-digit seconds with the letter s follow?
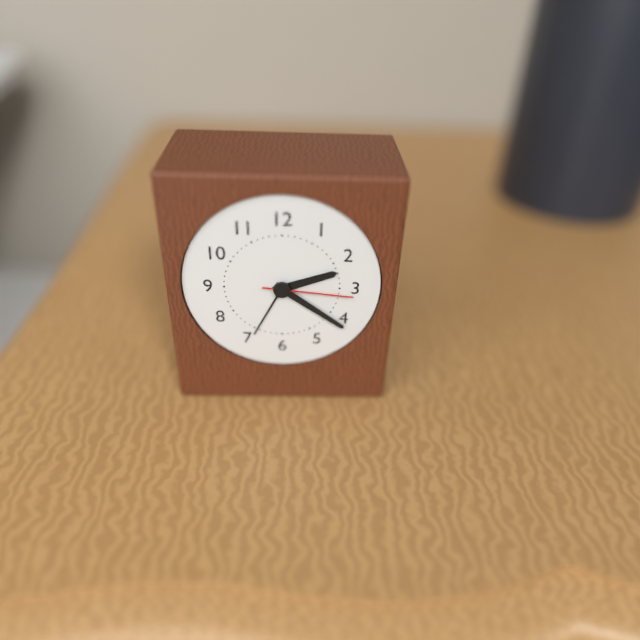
2h21m16s
